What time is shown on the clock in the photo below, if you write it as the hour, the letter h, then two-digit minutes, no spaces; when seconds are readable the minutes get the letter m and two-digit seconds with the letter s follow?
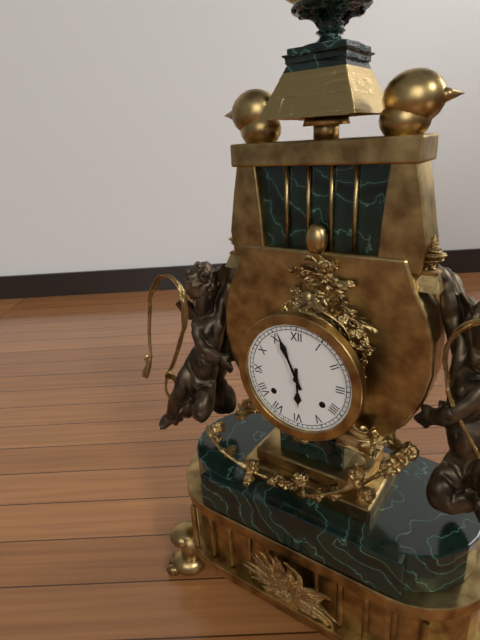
5h56
